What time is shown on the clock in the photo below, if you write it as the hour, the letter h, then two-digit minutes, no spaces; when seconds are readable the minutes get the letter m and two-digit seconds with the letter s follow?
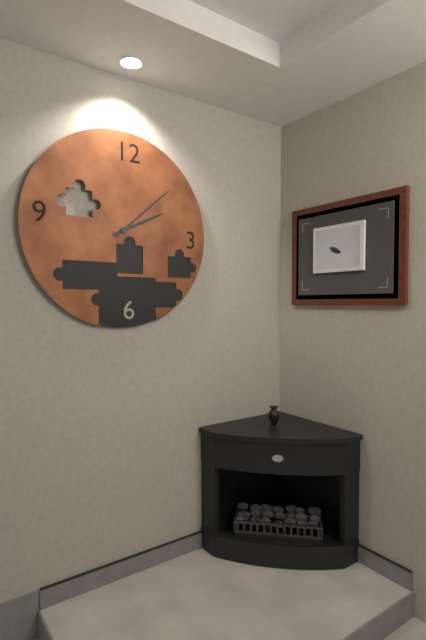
2h08
